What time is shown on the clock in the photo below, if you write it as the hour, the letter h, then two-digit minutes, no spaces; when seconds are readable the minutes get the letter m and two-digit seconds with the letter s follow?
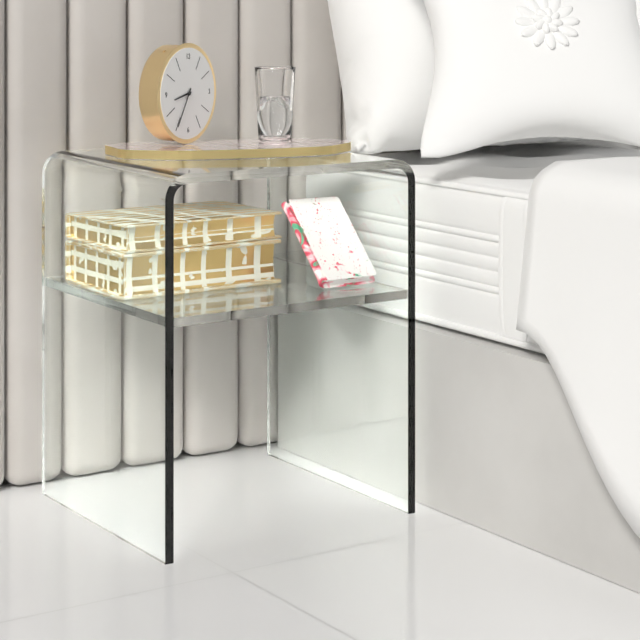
8h35
